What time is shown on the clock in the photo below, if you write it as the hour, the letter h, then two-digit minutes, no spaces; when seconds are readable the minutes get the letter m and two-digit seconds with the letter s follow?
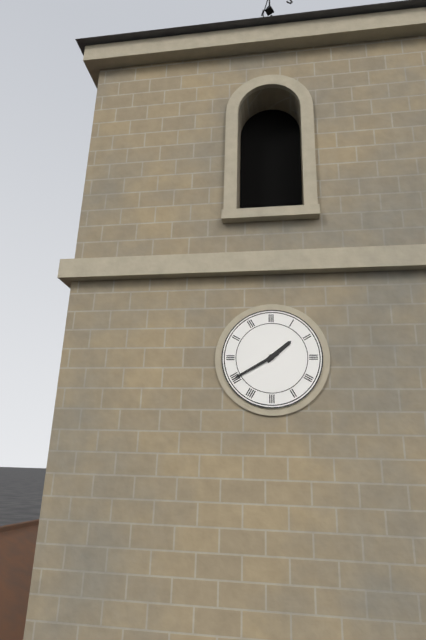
1h40
